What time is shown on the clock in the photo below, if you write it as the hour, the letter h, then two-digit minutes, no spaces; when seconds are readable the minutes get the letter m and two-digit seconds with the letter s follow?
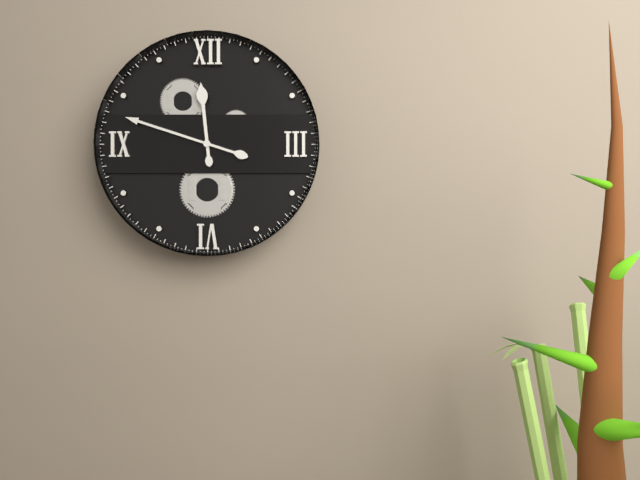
11h48
